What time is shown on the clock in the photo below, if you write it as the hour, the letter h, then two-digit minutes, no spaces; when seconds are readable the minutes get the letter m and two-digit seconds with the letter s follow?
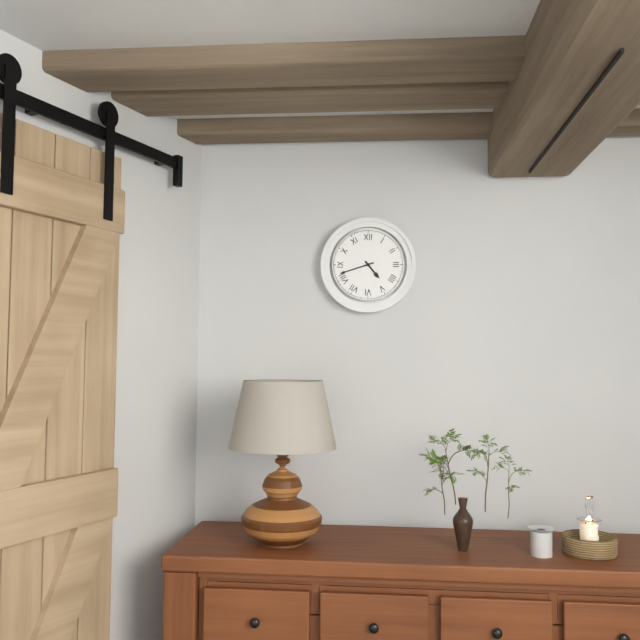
4h42
